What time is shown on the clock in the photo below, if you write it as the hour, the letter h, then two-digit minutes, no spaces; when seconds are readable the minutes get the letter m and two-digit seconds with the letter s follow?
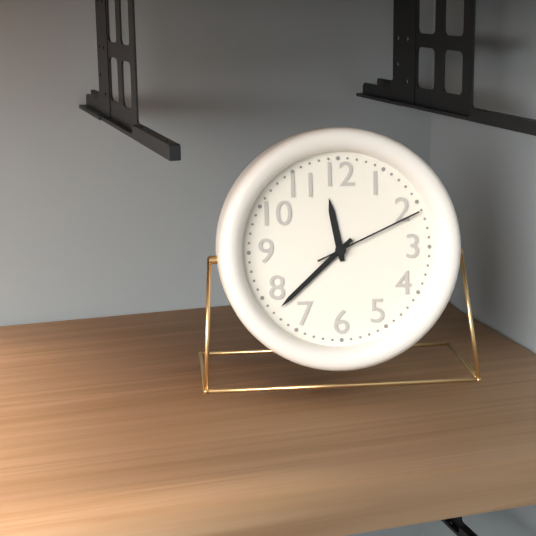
11h38m11s
